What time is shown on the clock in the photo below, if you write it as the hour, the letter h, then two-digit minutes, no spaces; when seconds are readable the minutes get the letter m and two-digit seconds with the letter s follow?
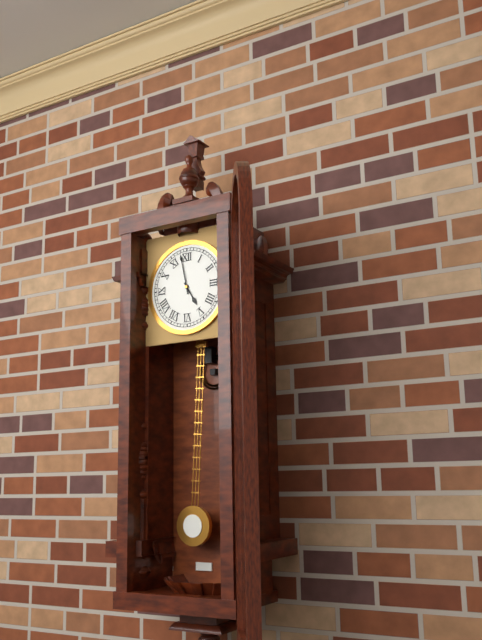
4h58
